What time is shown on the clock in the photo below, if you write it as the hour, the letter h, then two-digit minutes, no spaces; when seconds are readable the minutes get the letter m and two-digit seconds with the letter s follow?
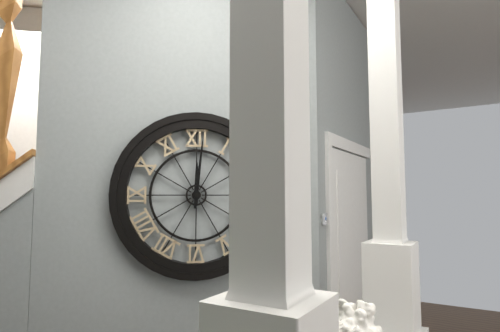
12h01
